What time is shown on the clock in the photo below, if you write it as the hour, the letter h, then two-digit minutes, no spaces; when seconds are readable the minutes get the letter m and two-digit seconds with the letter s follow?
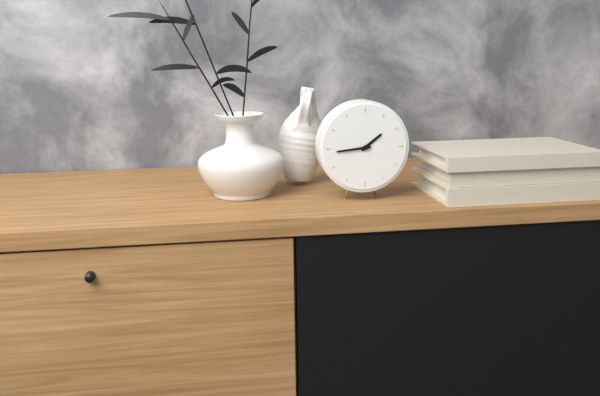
1h44
